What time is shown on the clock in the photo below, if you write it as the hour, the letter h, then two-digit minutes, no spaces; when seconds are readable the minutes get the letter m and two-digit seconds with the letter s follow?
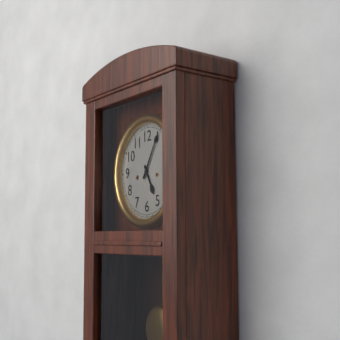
5h05
